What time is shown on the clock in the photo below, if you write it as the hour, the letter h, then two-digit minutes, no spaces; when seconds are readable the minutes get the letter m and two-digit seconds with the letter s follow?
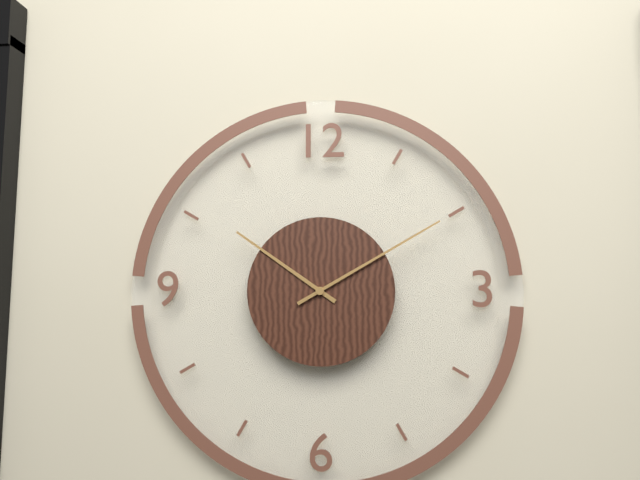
10h10
